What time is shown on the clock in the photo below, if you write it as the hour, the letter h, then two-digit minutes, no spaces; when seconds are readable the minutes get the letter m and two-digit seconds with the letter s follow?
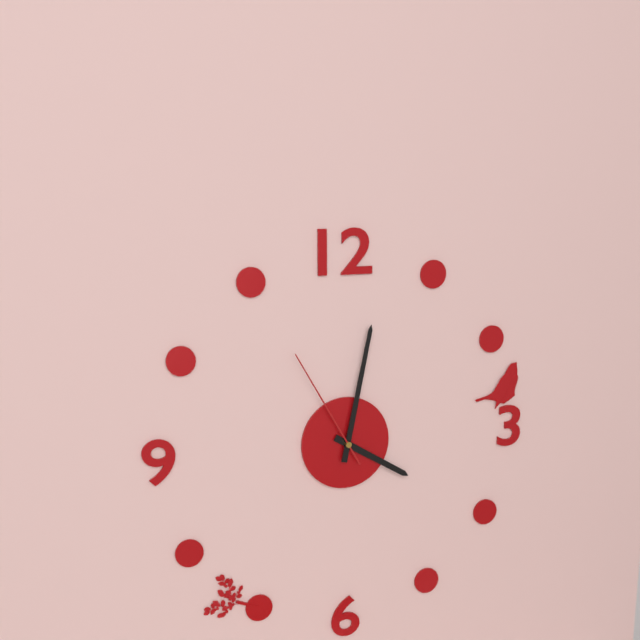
4h02m55s
